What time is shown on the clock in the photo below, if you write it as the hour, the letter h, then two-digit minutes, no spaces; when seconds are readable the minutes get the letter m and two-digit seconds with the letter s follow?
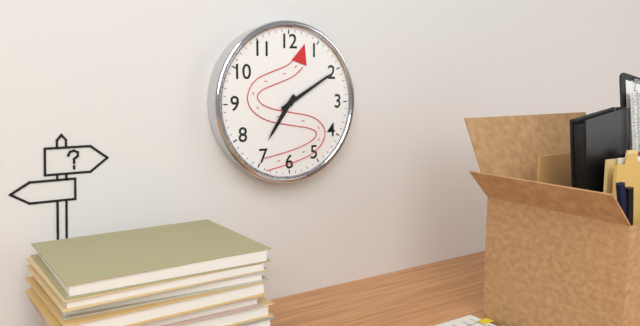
7h10
